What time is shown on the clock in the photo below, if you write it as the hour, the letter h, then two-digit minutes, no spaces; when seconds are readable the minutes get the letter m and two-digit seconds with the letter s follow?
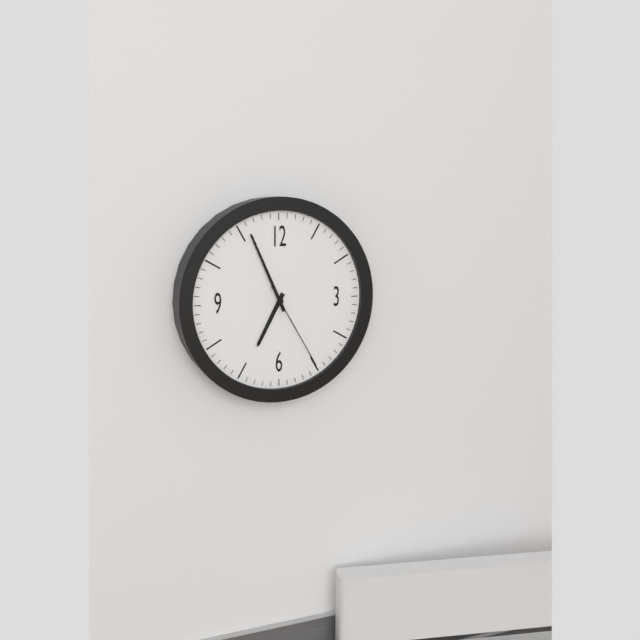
6h56m25s
